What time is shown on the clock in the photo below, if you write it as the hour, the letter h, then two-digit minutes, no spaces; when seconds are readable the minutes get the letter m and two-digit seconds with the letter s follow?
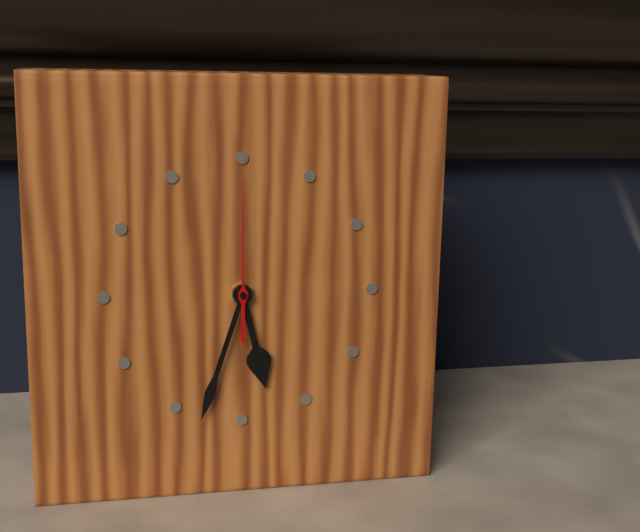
5h33m00s
